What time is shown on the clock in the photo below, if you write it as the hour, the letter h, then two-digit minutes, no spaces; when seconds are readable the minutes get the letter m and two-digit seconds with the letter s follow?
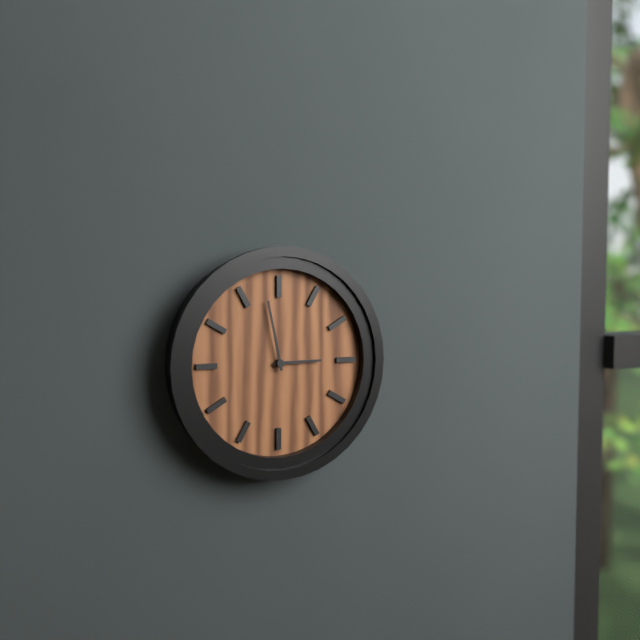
2h58
